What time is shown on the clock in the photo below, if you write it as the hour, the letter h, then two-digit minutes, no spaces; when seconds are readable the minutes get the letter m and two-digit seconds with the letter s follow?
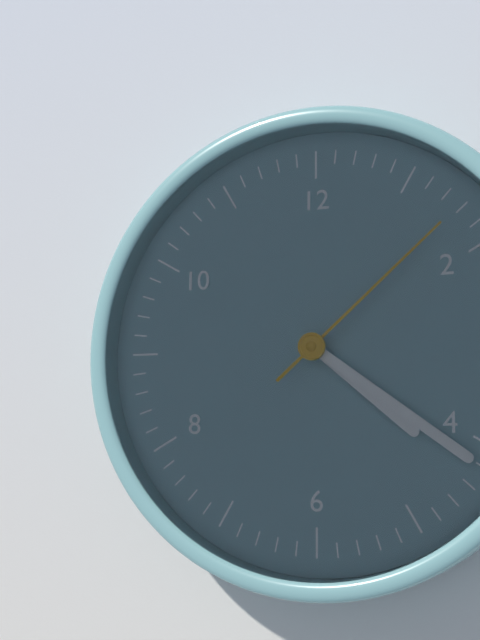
4h21m08s
